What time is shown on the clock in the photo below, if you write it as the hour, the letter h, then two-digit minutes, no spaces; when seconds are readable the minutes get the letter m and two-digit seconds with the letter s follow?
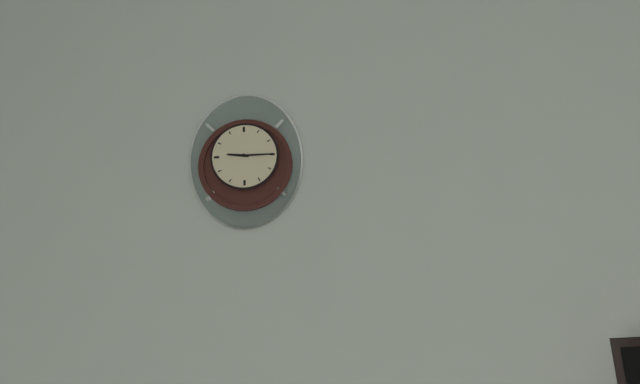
9h15
